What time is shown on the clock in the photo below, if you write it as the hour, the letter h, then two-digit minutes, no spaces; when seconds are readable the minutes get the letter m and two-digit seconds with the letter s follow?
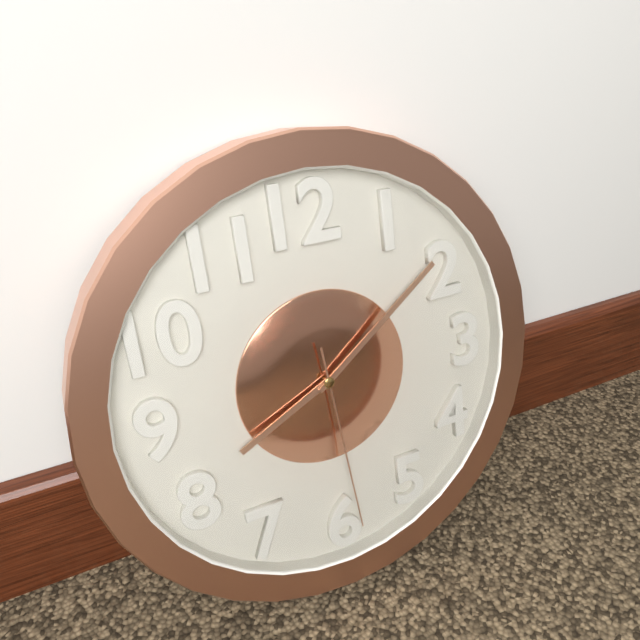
8h09m29s
